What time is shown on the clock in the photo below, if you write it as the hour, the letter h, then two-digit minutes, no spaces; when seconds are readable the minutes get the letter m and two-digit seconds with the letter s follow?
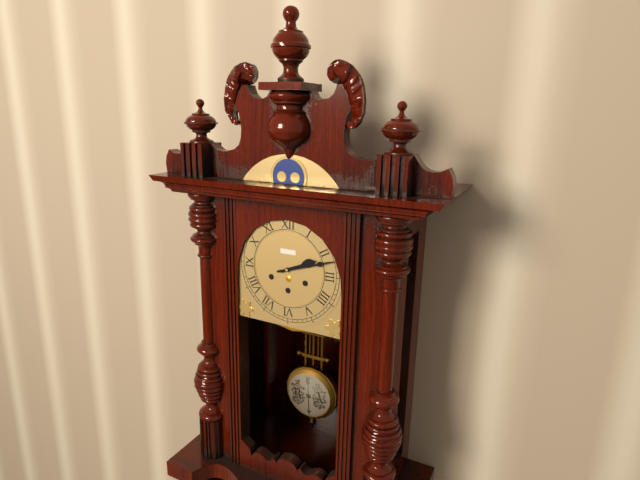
2h12
